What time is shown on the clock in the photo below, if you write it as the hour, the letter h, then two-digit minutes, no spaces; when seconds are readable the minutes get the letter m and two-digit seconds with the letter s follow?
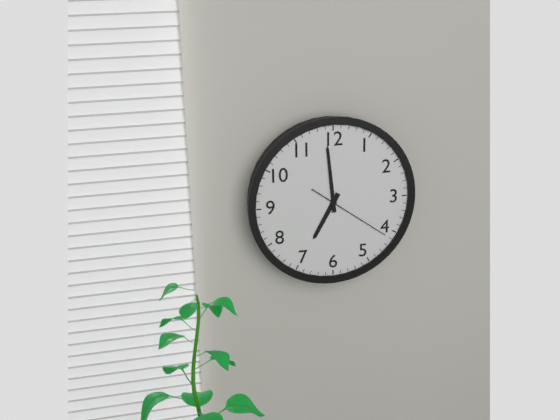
6h59m21s
